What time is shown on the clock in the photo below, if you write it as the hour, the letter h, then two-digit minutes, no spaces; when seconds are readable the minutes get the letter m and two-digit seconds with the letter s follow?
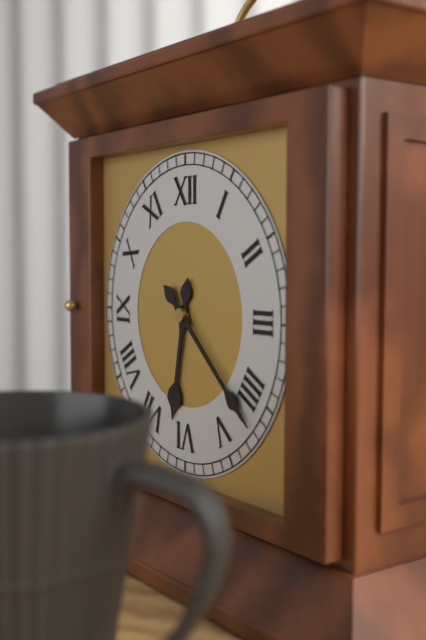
6h22
